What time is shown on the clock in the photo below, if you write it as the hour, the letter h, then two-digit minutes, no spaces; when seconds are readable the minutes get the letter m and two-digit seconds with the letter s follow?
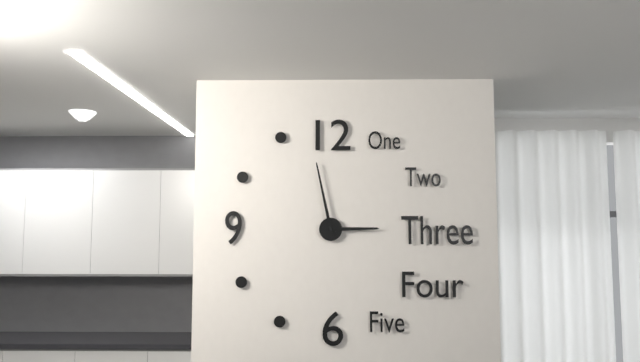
2h58
